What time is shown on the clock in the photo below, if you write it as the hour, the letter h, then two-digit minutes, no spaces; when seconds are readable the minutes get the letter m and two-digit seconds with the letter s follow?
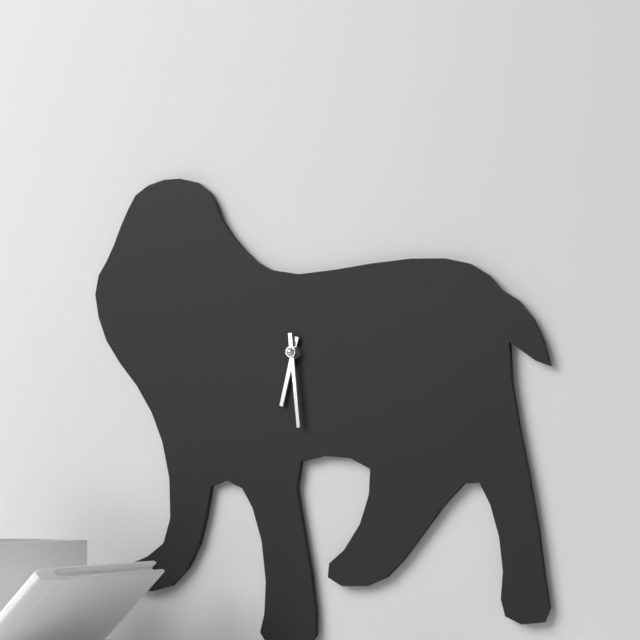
6h29
